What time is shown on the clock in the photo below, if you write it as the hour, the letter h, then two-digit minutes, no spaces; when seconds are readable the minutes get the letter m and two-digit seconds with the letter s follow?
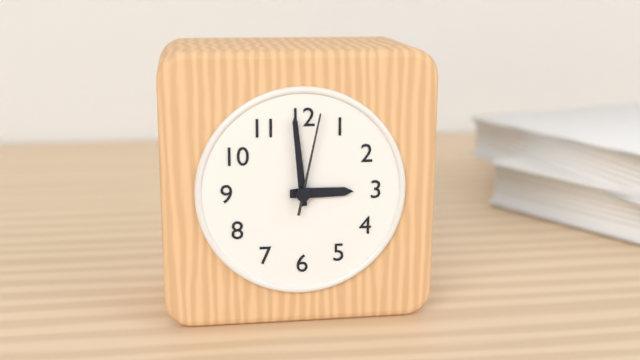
2h59m02s
